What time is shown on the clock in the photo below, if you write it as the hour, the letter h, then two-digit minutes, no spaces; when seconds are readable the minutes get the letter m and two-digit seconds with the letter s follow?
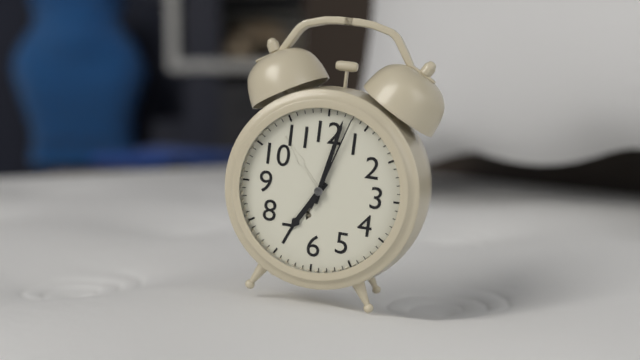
7h02m03s
